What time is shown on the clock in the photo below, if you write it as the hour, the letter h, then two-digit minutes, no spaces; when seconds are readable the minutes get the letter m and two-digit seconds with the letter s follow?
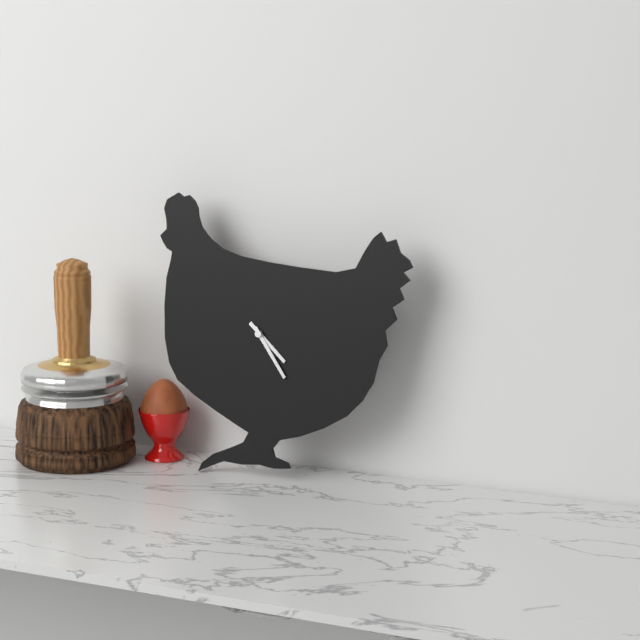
4h24
